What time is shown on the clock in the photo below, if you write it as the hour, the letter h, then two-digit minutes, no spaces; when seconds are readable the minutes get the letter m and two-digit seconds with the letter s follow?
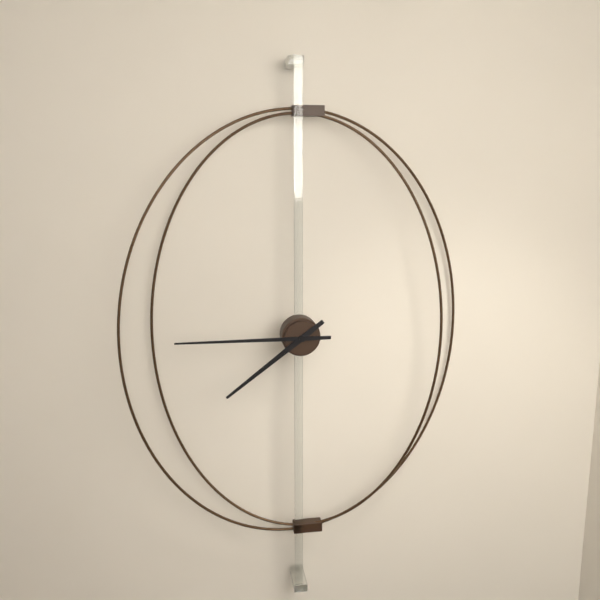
7h45
